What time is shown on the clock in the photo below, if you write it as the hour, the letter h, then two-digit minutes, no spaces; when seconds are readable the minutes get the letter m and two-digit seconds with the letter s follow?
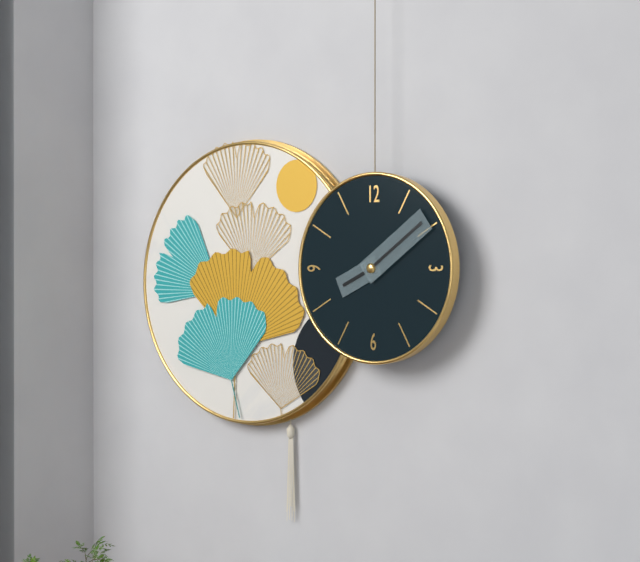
8h09
